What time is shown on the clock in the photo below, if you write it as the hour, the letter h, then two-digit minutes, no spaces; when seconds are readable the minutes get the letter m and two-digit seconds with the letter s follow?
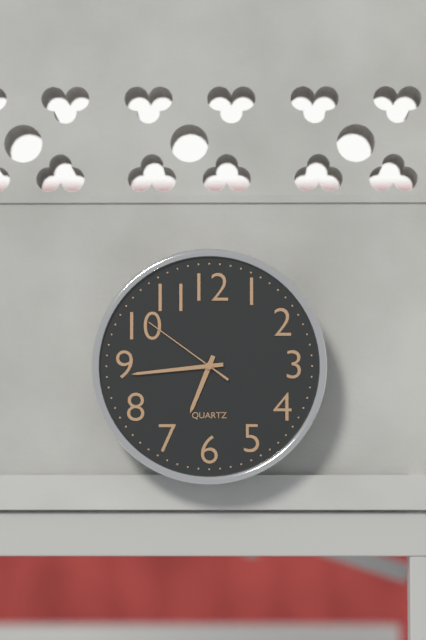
6h44m51s
